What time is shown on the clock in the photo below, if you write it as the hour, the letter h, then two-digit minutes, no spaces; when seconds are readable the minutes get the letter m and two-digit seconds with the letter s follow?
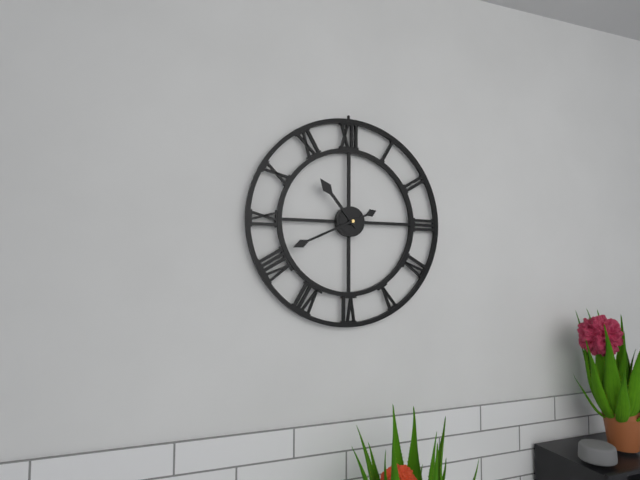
10h41
